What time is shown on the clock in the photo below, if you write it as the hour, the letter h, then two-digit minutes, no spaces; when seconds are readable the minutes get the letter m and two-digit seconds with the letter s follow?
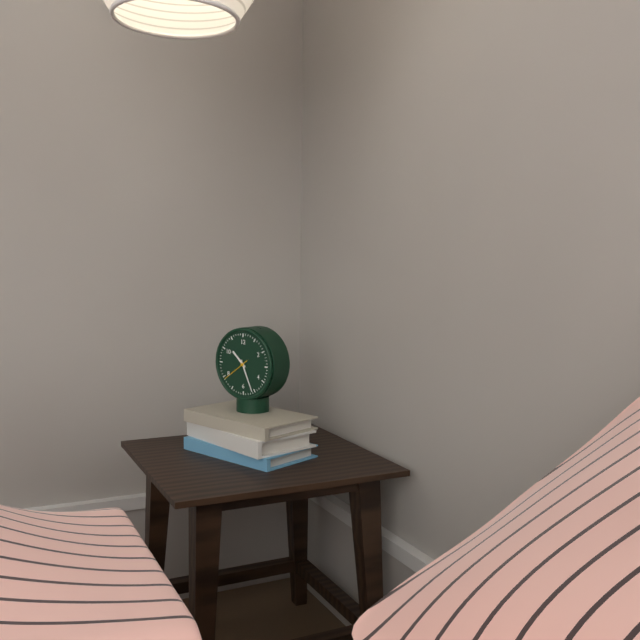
10h26
